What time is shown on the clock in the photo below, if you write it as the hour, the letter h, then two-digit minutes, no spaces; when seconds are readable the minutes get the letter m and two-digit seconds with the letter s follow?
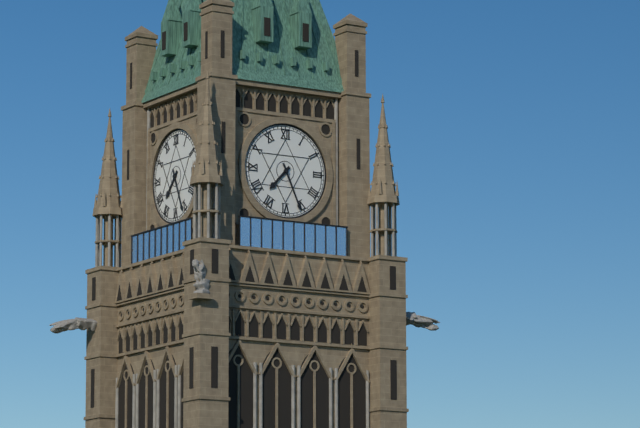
7h26
